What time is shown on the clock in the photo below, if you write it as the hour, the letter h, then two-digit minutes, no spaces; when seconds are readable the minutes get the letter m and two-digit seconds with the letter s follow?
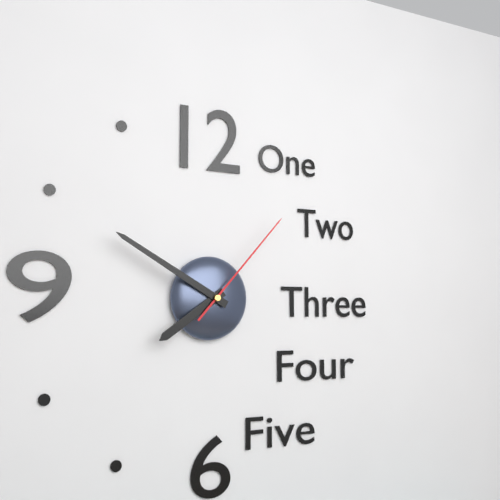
7h50m07s
